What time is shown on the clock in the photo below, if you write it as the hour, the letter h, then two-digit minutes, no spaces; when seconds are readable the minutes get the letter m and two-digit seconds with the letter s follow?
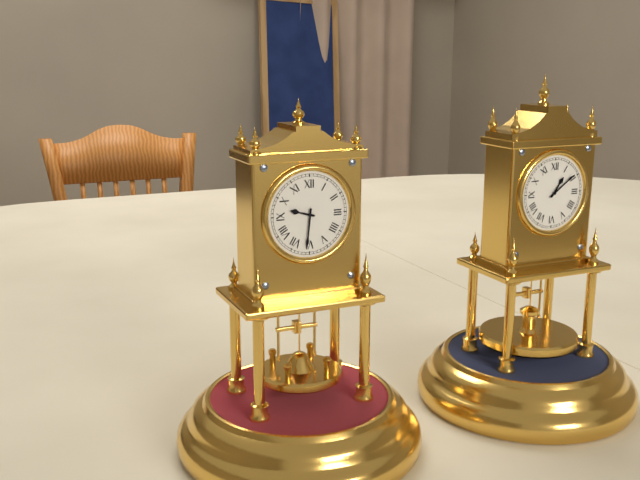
9h31
